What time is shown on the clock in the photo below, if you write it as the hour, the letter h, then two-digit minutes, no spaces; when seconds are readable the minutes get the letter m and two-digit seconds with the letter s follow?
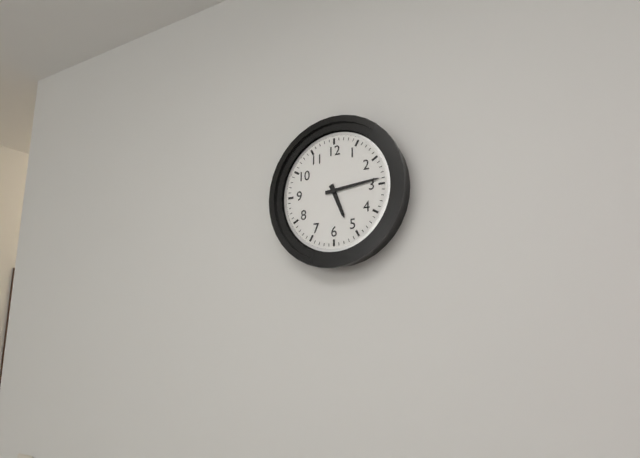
5h14
